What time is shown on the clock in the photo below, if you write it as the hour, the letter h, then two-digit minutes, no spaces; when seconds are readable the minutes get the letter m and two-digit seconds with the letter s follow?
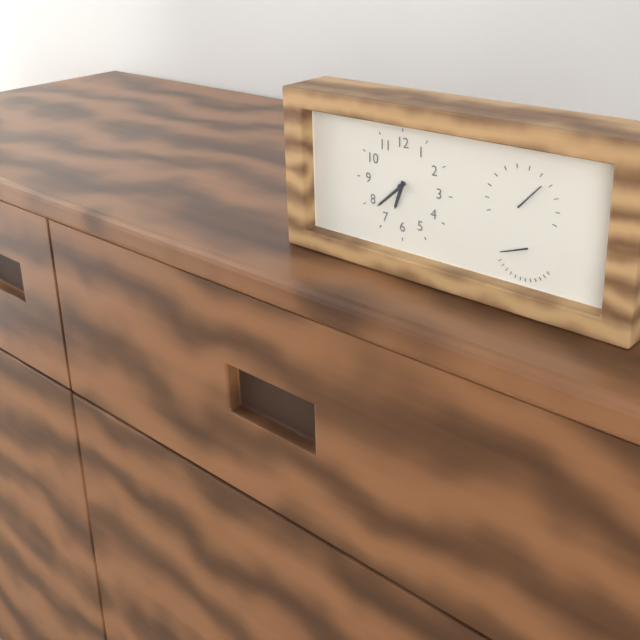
6h38
